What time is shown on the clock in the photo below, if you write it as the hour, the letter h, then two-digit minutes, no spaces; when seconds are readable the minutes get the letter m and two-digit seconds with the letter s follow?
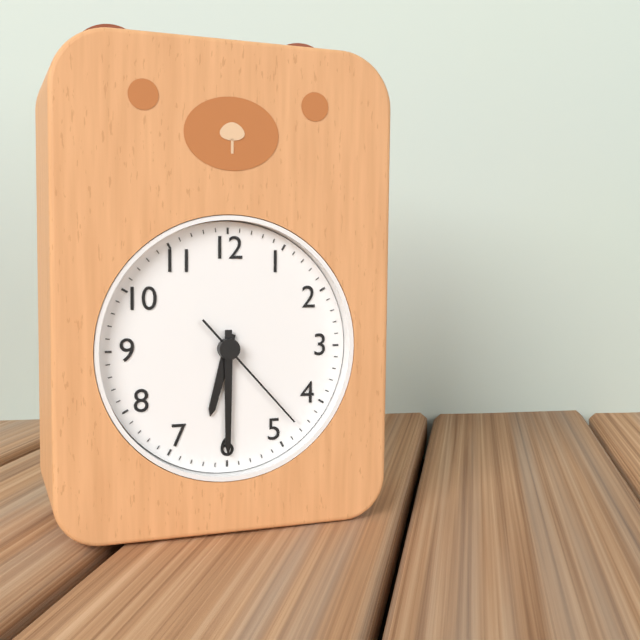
6h30m23s
